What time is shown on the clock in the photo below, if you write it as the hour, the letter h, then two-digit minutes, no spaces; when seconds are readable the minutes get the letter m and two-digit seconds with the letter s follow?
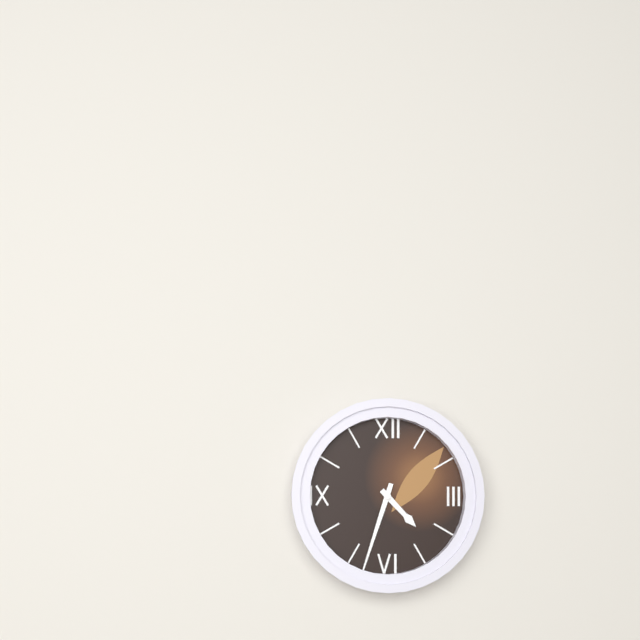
4h33
